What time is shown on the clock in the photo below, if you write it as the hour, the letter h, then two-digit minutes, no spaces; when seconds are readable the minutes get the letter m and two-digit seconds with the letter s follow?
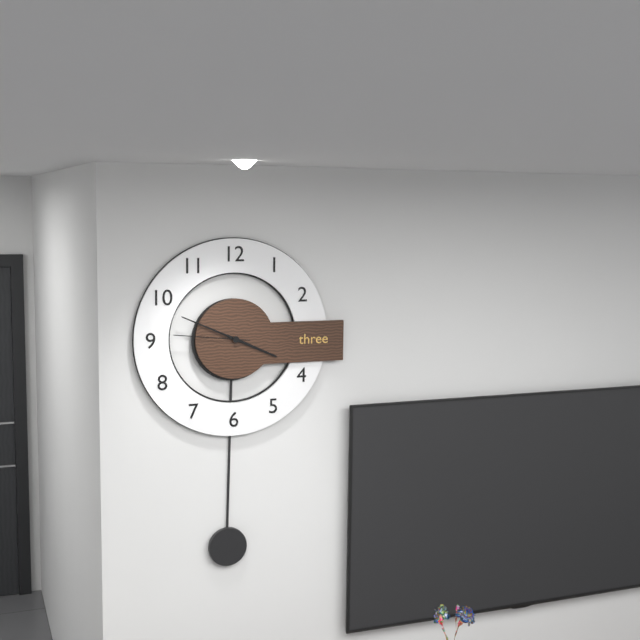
3h49m46s
